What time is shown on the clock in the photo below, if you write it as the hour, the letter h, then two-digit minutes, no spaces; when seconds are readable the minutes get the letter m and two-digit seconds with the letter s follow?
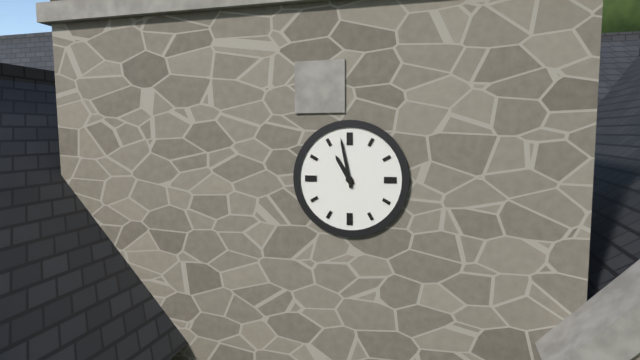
10h58
